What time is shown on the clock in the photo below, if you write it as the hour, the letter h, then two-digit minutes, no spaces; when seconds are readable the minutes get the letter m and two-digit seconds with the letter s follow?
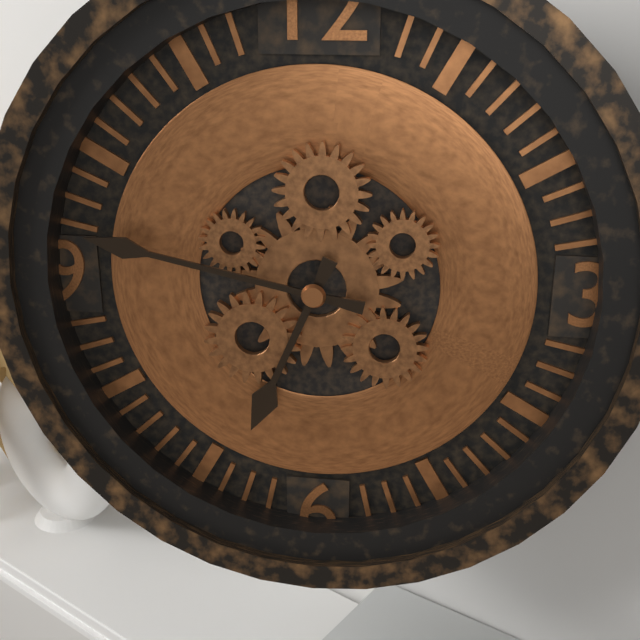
6h47
